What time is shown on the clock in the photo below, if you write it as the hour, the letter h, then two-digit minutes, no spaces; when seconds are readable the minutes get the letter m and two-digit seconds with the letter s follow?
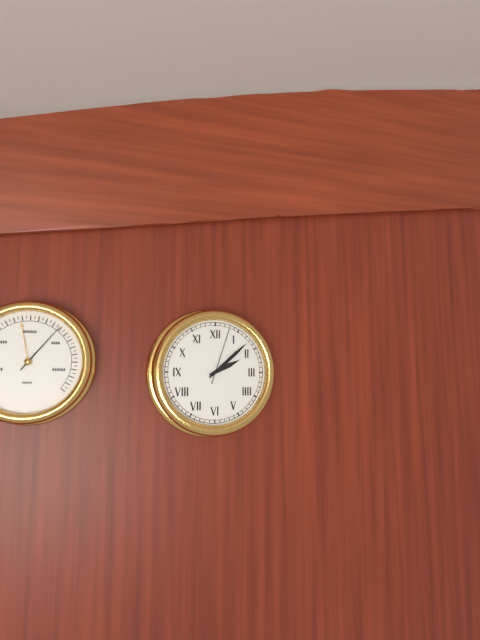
2h08m03s
